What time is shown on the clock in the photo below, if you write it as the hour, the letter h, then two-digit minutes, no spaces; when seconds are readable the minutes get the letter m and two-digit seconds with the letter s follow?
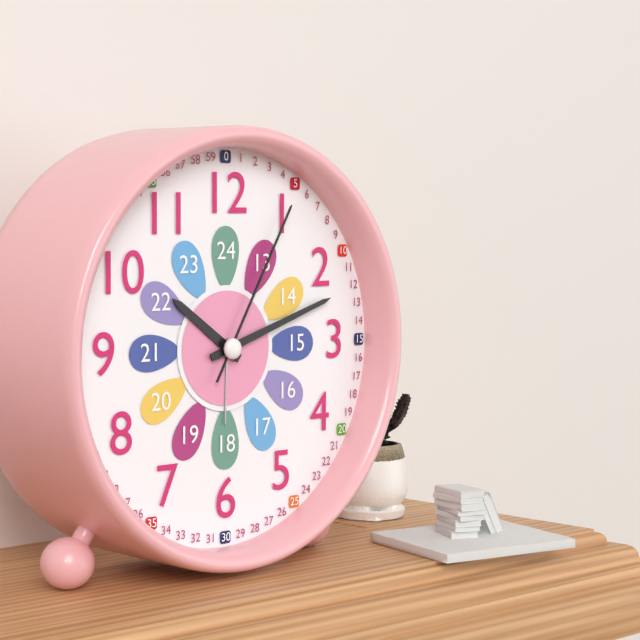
10h12m05s
